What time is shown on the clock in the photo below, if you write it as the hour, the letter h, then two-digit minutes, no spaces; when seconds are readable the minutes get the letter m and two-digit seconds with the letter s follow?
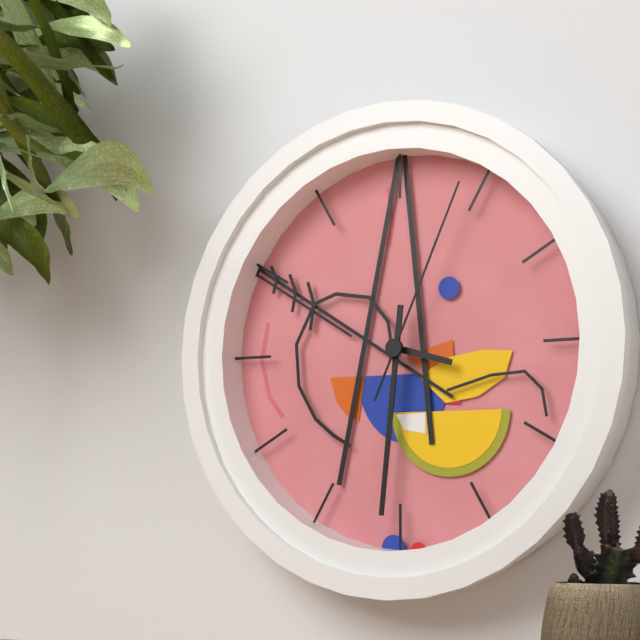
3h31m04s
